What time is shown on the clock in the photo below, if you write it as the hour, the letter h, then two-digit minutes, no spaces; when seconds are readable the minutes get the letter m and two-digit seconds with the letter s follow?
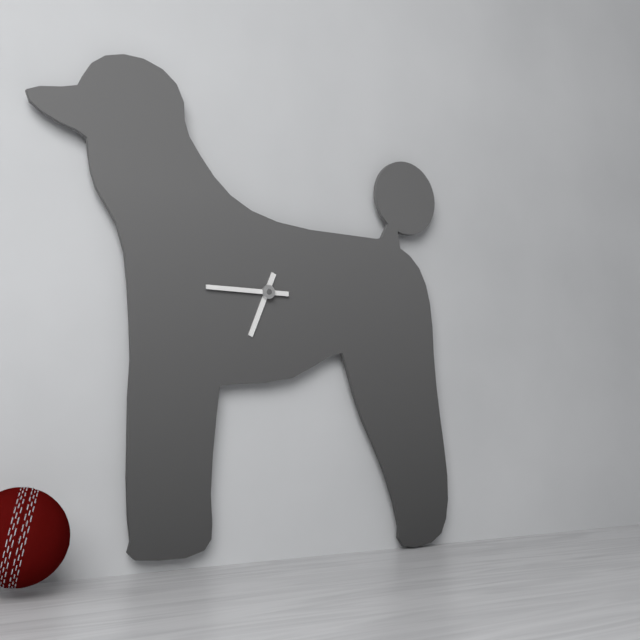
6h45
